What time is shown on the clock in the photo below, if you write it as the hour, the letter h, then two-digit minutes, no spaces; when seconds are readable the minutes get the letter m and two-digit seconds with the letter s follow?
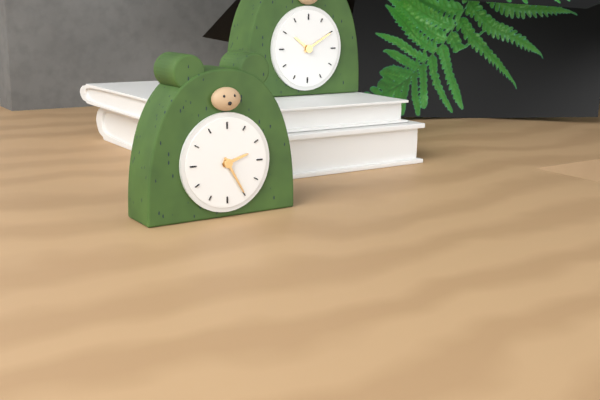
2h25
